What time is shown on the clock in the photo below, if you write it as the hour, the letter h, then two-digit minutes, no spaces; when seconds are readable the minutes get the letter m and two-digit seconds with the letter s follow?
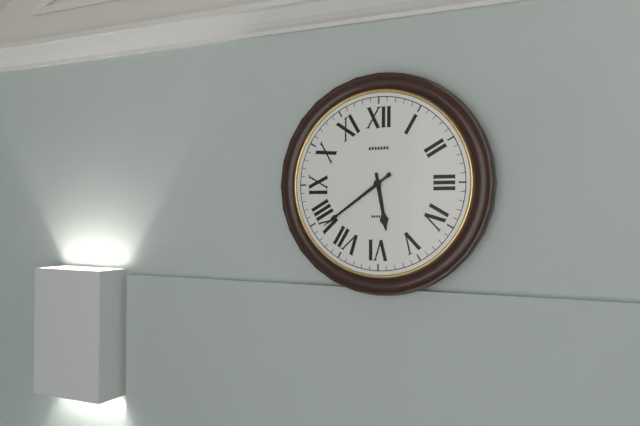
5h39
